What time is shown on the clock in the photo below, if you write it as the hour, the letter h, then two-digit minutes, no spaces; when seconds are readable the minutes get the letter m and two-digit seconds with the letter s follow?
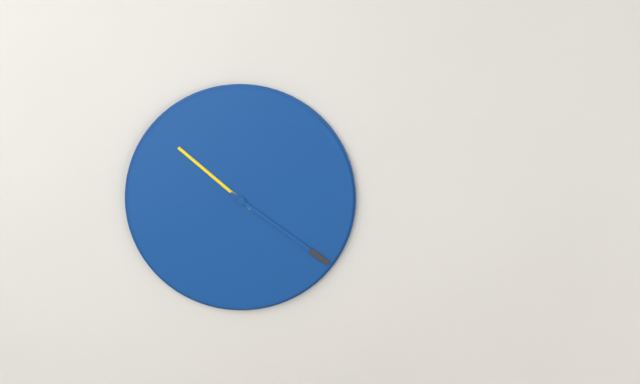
10h21
